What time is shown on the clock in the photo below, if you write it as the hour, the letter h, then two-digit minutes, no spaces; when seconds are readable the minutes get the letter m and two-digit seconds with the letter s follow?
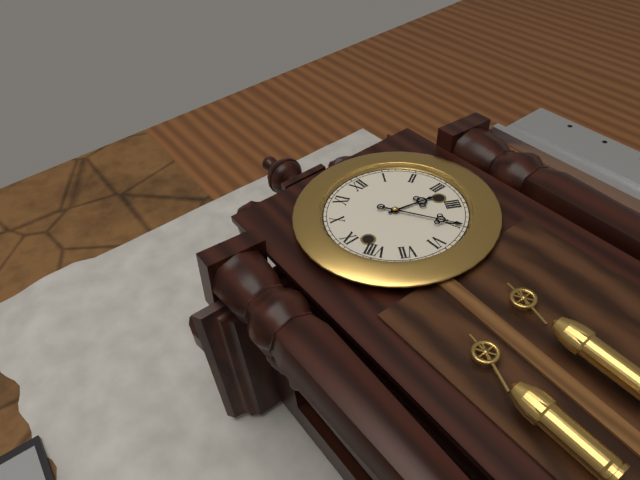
3h25
